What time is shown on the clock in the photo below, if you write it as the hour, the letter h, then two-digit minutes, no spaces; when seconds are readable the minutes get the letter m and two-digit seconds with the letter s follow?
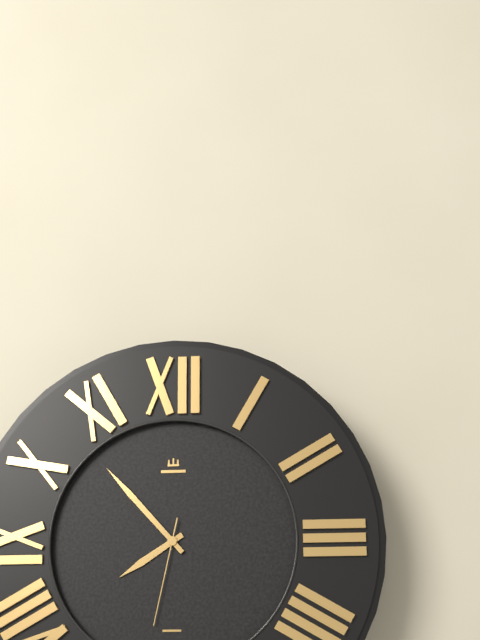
7h53m32s
